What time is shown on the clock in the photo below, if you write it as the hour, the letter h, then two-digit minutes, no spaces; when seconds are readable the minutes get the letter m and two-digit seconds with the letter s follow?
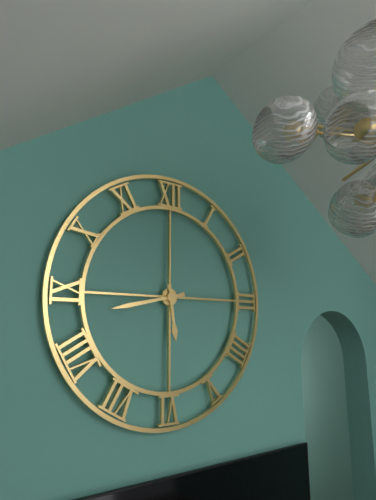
5h43
